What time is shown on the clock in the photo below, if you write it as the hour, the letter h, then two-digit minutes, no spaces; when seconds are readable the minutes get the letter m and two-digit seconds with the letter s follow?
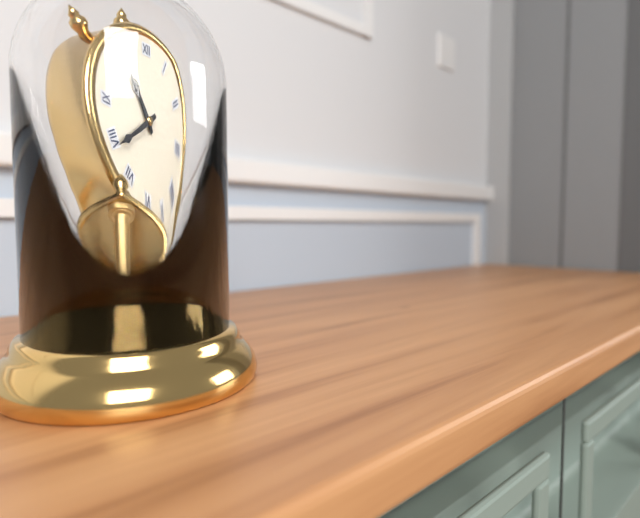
10h39
